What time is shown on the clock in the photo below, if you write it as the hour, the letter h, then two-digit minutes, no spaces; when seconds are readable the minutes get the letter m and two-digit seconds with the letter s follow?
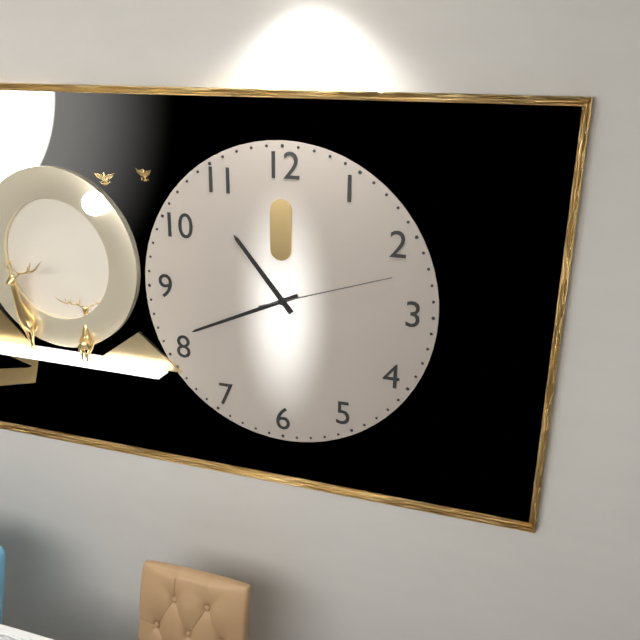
10h41m12s
